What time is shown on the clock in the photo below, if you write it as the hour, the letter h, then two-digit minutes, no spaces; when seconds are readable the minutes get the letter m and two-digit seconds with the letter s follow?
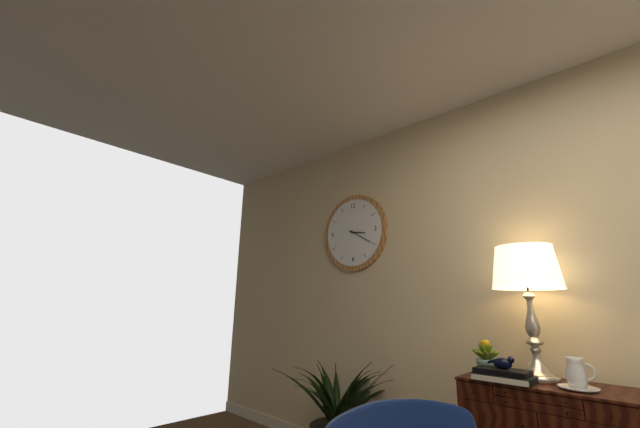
3h20
